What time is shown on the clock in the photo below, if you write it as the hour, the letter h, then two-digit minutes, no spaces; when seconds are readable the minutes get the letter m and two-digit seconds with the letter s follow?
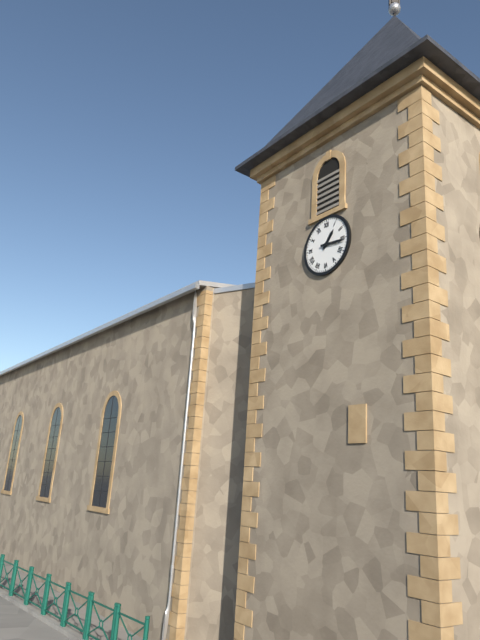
1h16
